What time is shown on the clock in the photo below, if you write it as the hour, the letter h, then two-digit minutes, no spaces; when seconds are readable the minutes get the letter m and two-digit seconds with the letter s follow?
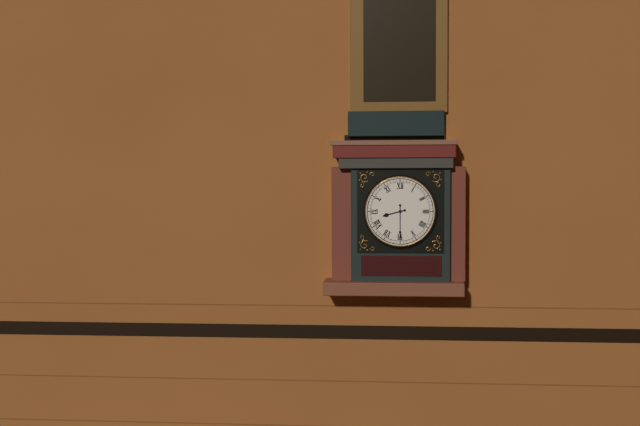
8h30
